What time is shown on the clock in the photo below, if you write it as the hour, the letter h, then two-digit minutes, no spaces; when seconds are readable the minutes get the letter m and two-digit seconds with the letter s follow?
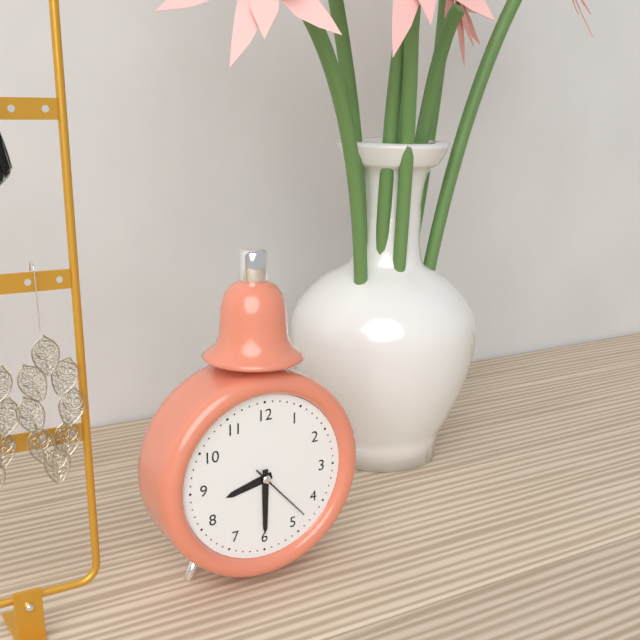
8h30m23s
